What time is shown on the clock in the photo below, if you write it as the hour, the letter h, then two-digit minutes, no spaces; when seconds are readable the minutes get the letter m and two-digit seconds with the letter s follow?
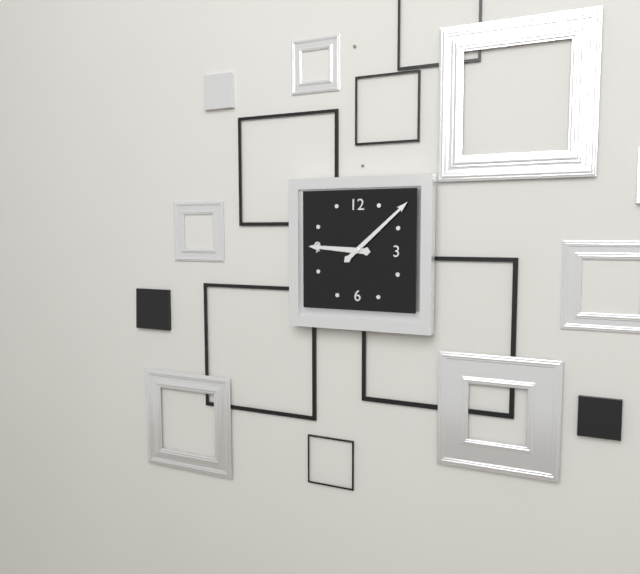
9h08
